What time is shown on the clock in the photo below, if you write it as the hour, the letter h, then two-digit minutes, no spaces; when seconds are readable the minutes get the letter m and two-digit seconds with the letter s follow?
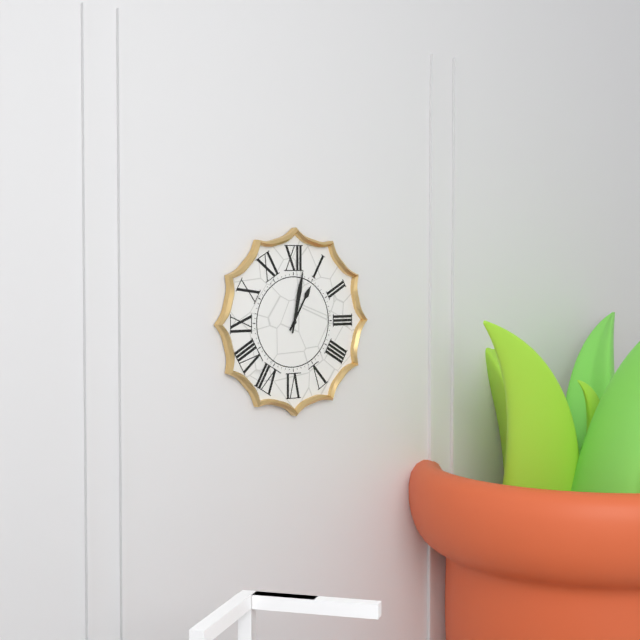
1h02
